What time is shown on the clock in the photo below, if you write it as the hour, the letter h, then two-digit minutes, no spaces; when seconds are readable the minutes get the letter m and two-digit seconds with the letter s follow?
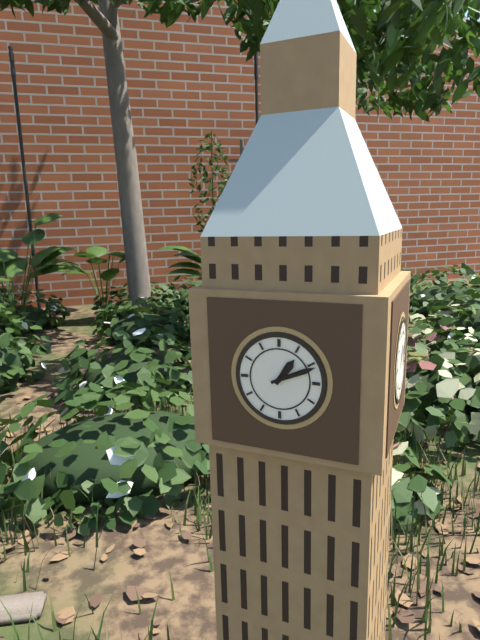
1h11
